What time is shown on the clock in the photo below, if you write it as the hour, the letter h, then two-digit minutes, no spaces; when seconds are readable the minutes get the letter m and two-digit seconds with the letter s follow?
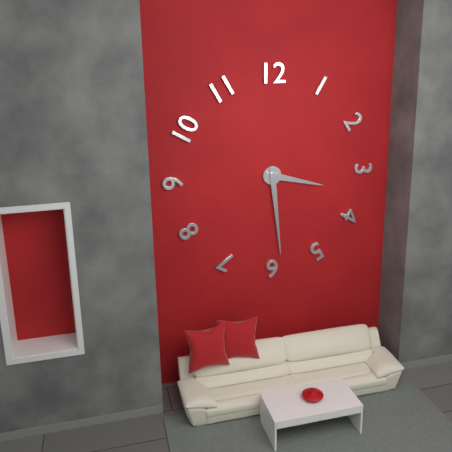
3h29
